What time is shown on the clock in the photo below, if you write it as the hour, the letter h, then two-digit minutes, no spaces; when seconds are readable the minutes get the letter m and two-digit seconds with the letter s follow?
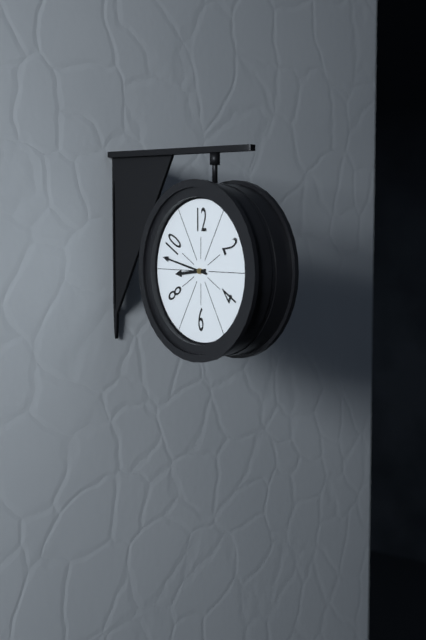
8h47
